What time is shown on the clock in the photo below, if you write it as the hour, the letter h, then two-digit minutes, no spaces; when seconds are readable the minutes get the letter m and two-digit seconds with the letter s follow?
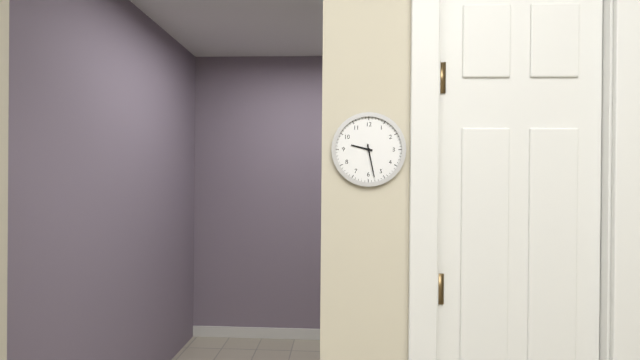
9h28
